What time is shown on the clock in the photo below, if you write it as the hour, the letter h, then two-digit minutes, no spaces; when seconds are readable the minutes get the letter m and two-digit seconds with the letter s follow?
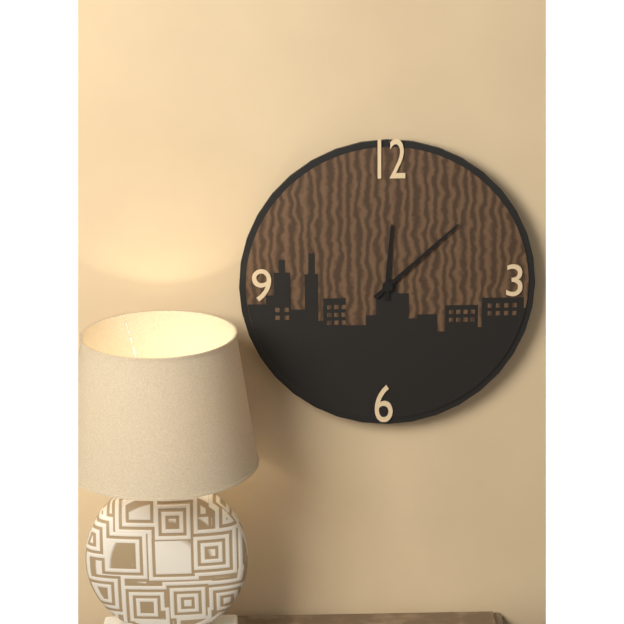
12h08
